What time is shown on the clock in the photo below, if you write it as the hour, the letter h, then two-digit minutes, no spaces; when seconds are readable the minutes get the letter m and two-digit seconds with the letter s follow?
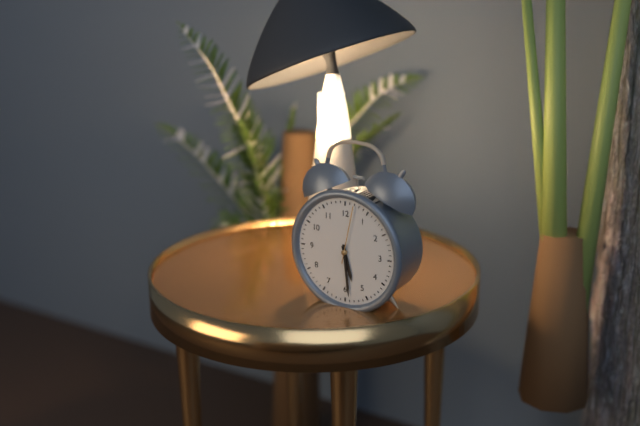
5h29m02s
